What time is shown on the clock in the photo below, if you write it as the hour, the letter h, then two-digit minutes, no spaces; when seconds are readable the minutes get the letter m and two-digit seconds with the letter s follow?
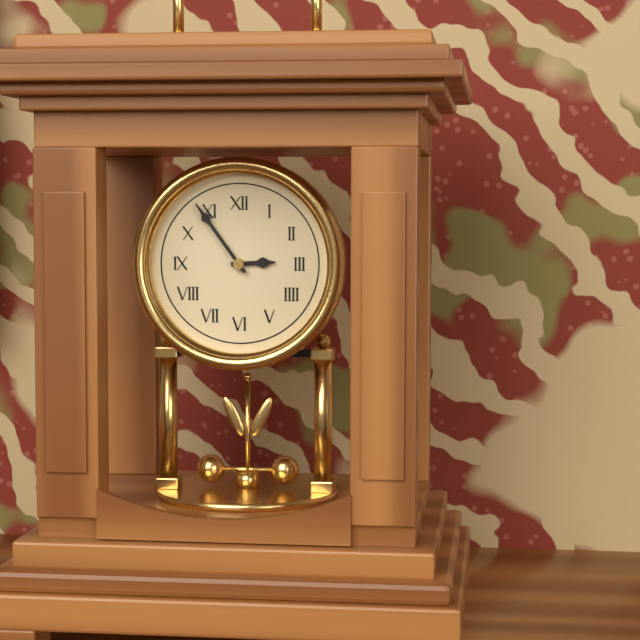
2h54
